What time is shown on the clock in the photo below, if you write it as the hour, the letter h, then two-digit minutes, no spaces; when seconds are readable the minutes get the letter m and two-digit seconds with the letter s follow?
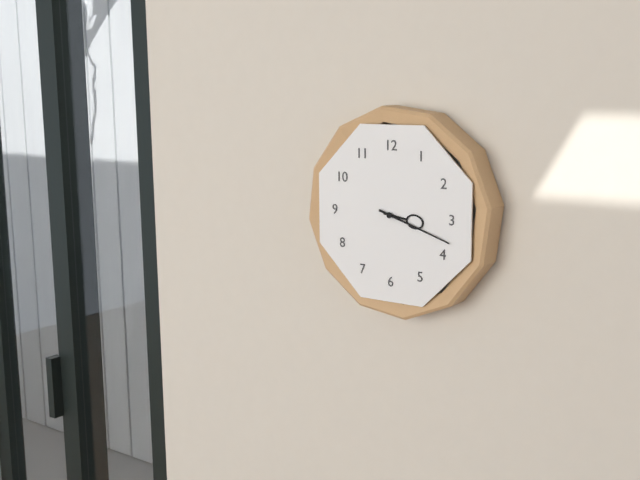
3h18
